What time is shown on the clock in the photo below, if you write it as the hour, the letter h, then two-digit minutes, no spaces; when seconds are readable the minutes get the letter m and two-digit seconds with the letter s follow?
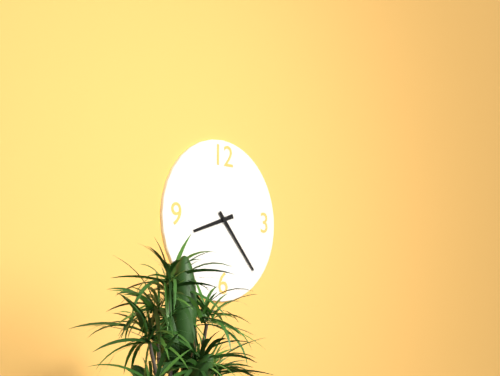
8h23
